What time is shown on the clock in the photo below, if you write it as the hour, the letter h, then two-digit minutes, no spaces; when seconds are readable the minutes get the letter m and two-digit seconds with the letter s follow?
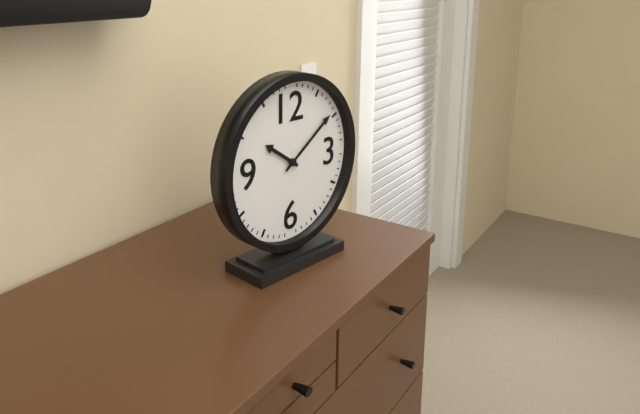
10h09
